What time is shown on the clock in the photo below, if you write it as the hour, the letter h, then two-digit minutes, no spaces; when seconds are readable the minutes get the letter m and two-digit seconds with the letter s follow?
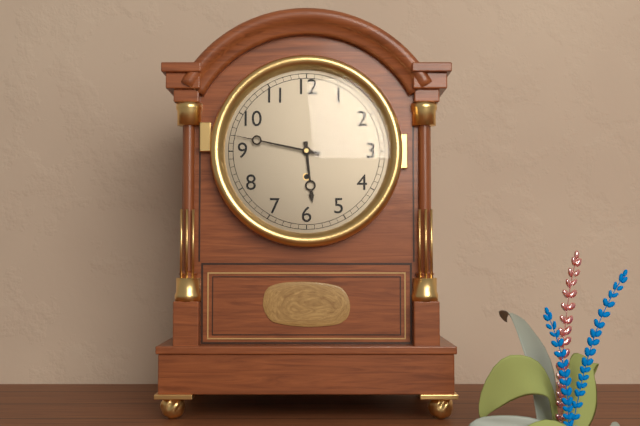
5h47
